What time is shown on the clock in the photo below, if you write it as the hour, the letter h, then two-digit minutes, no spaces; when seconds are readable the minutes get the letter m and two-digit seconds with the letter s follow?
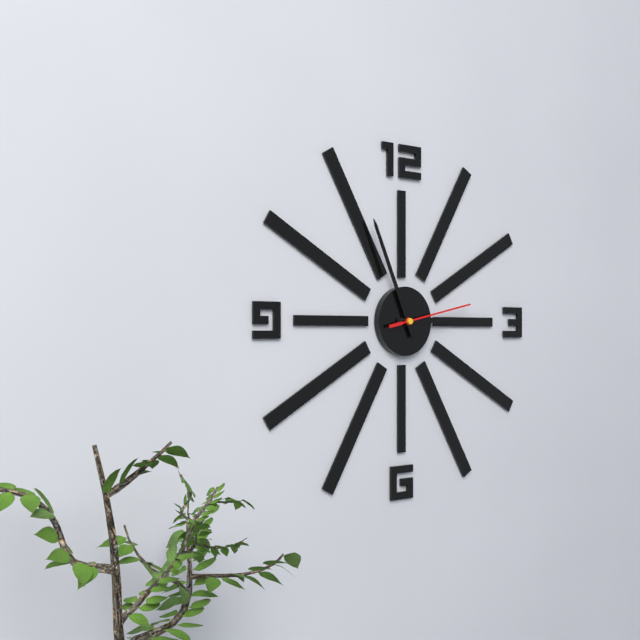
2h56m13s
